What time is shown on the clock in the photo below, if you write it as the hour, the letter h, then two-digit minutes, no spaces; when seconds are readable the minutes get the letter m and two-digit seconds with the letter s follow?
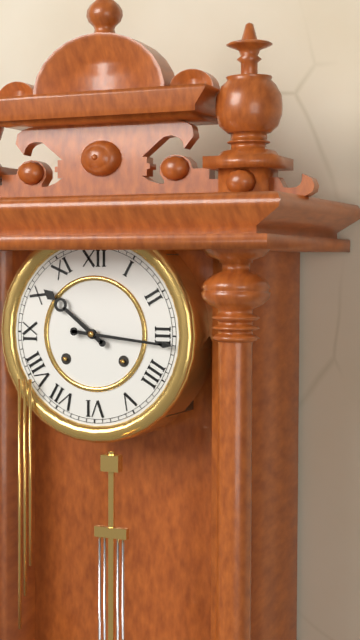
10h16
